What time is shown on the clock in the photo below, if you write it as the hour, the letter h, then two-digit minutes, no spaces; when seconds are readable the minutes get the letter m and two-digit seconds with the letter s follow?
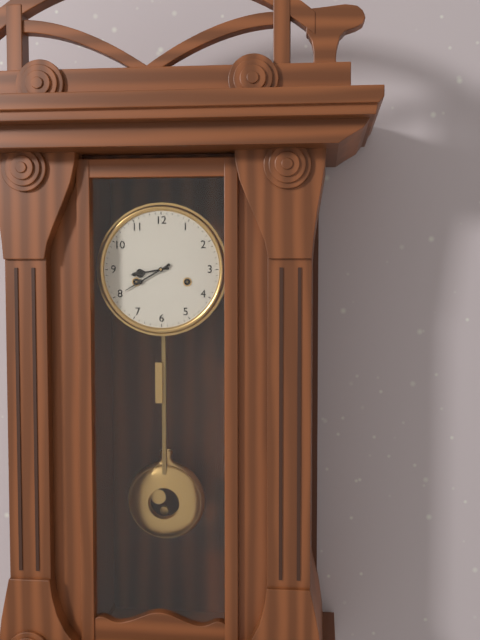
8h40
